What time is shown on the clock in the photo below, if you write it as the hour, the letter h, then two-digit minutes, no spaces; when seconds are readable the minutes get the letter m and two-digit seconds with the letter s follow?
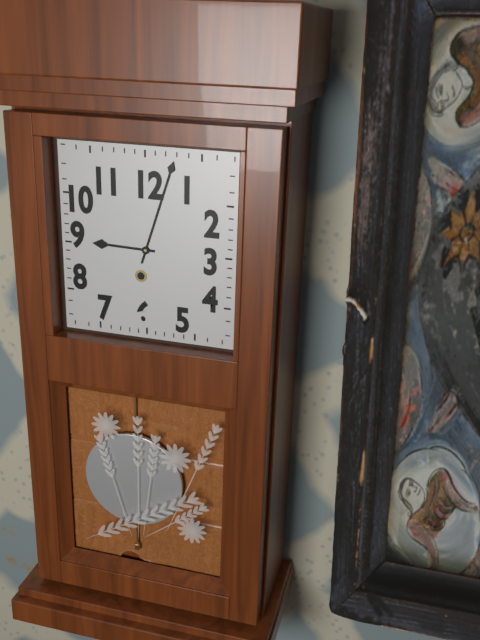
9h03
